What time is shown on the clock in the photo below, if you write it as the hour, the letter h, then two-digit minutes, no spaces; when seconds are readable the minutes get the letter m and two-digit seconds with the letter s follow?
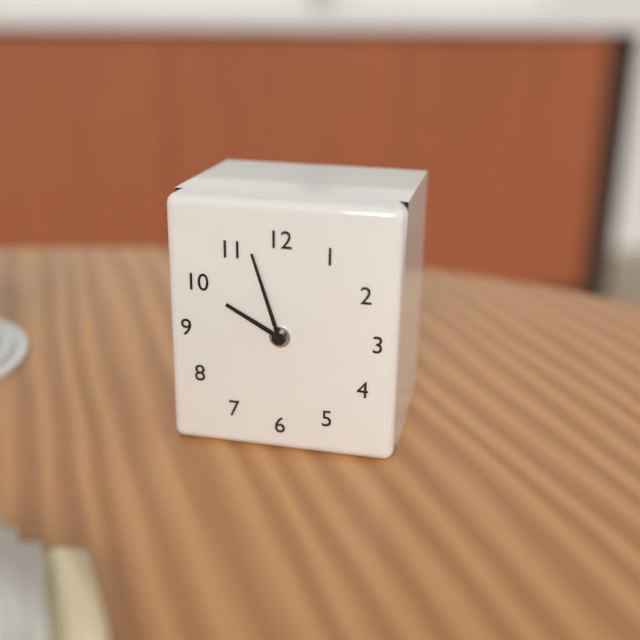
9h57
